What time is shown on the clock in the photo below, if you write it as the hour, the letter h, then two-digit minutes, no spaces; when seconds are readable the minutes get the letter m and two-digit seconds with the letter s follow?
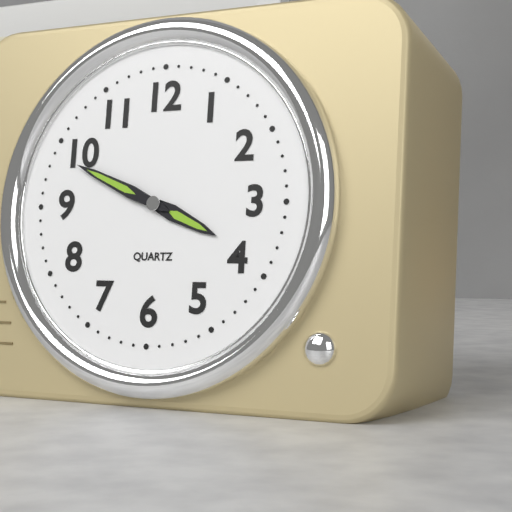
3h49
